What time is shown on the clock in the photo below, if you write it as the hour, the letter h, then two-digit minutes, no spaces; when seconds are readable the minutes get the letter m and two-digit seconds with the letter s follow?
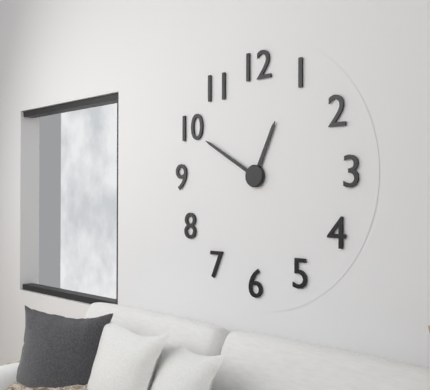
12h50
